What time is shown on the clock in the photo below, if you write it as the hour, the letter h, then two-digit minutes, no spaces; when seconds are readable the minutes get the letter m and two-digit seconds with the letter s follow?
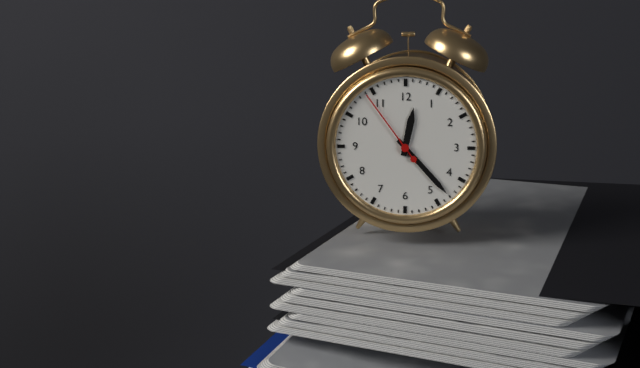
12h23m54s
